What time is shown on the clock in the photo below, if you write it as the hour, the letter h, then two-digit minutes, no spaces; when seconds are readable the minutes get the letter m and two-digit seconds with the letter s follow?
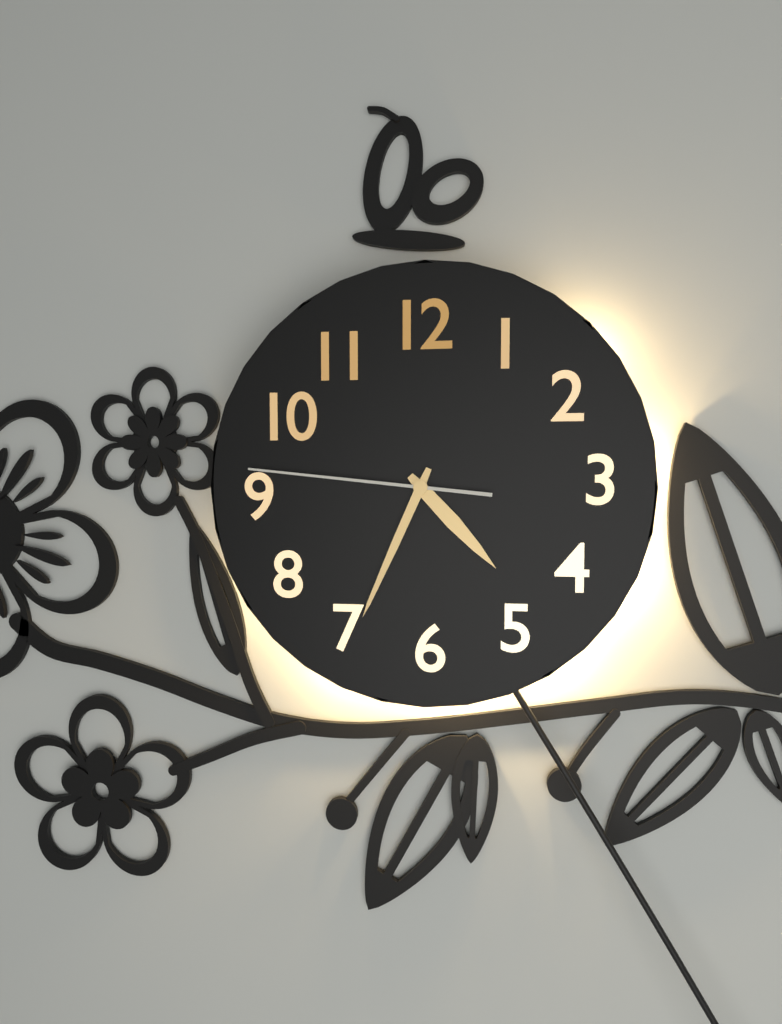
4h34m46s
